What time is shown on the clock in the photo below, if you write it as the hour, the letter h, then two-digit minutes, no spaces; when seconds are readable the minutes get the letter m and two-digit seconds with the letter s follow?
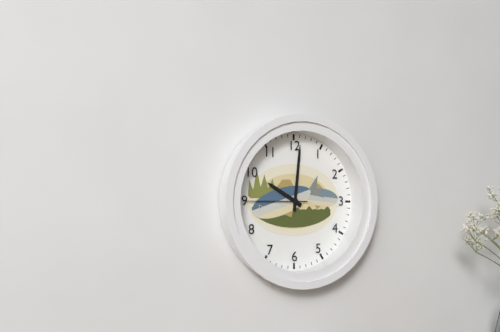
10h01m45s
